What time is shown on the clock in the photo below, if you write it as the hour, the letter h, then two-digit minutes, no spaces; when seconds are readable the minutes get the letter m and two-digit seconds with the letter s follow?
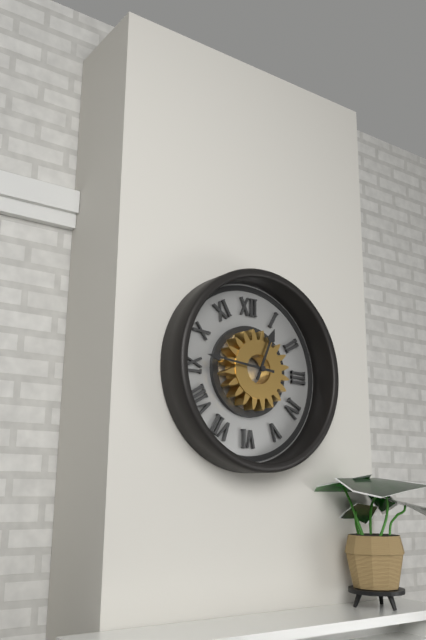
12h46
